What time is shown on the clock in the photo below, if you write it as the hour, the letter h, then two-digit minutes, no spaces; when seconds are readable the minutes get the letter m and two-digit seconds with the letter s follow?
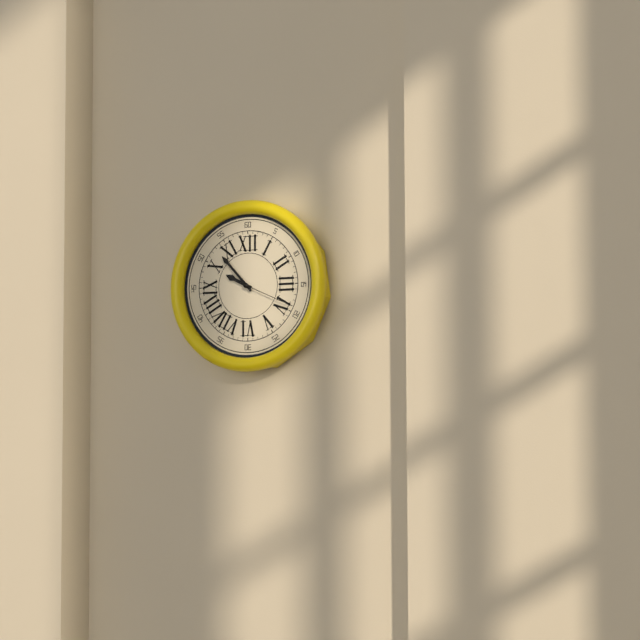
9h53
